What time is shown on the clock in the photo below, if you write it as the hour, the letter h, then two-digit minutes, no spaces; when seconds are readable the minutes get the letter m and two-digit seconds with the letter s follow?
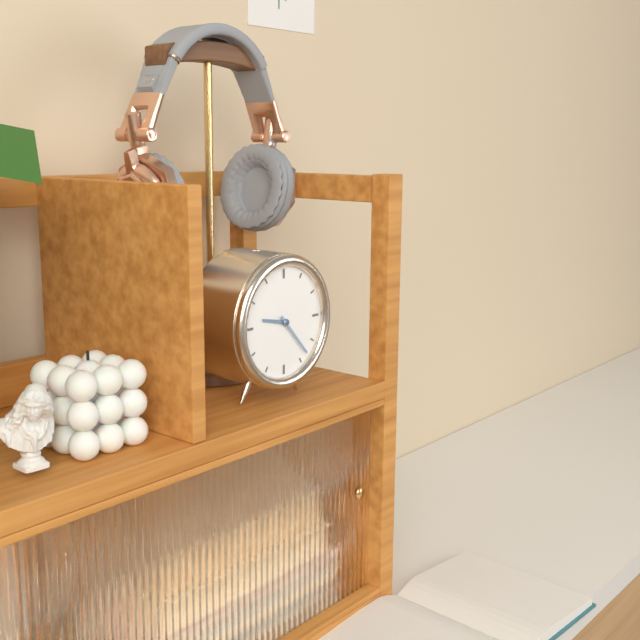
9h23
